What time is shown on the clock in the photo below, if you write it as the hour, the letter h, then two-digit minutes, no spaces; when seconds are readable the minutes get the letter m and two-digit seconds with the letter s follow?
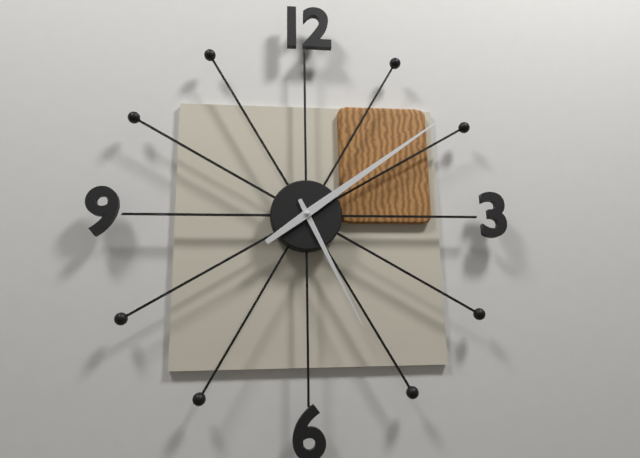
5h09
